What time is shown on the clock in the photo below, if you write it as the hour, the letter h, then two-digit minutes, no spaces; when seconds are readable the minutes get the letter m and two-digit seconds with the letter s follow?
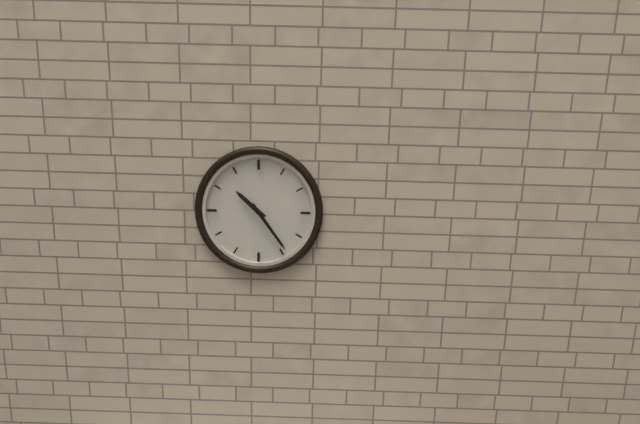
10h24
